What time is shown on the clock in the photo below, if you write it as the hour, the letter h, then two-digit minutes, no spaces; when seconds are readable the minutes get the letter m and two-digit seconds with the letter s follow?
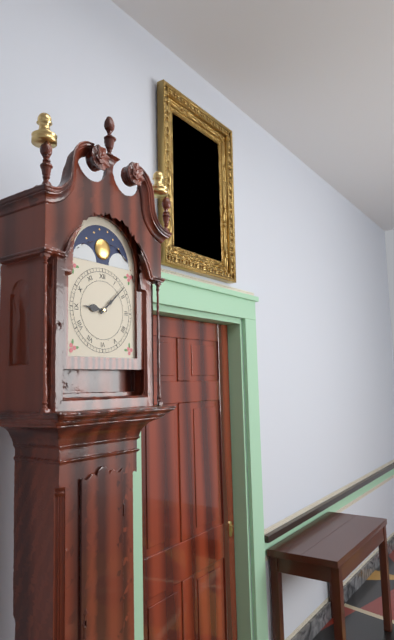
9h08
